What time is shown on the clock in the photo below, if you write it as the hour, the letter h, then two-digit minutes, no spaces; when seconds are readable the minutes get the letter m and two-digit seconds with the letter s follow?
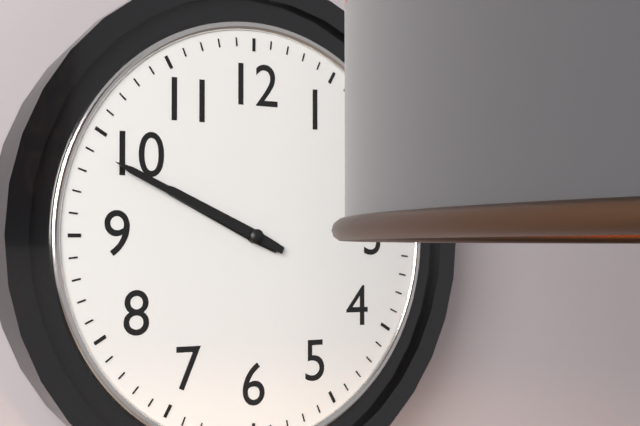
9h49
